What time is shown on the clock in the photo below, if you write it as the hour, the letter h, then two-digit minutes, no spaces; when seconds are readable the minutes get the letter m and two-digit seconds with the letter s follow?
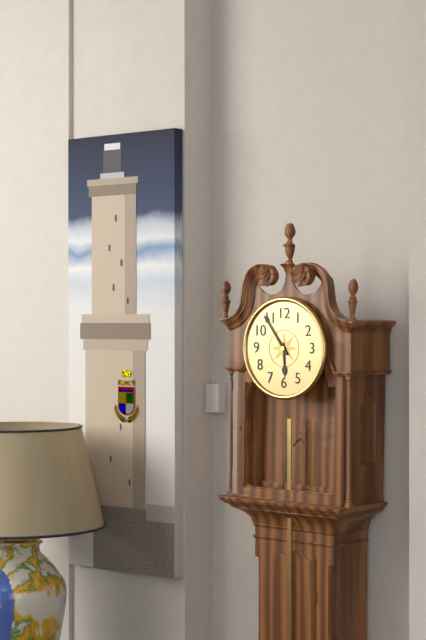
5h54
